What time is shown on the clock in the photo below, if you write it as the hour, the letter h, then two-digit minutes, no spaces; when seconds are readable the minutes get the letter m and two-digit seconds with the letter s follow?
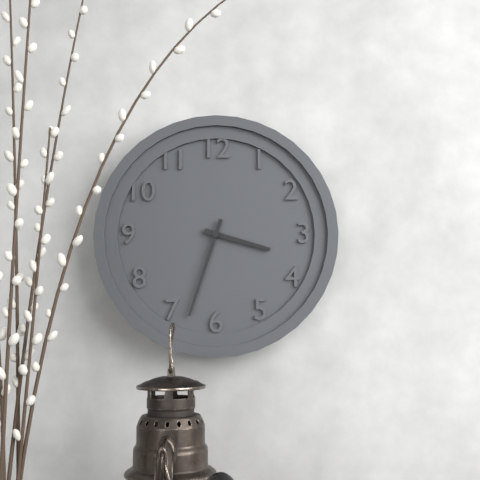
3h33
